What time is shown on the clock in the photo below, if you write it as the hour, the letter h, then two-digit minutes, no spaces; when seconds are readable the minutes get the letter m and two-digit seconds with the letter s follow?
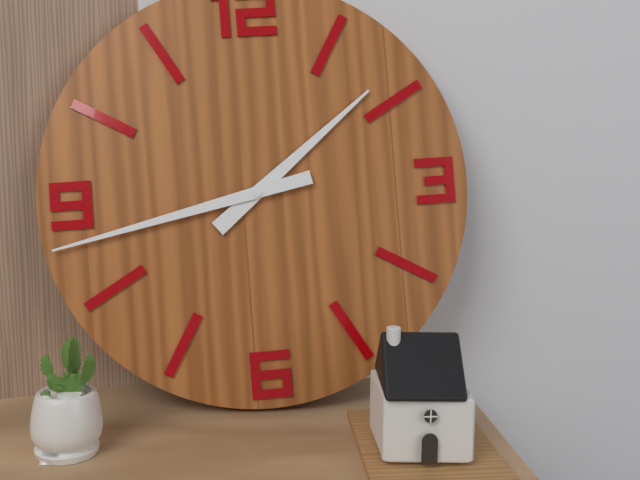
1h43
